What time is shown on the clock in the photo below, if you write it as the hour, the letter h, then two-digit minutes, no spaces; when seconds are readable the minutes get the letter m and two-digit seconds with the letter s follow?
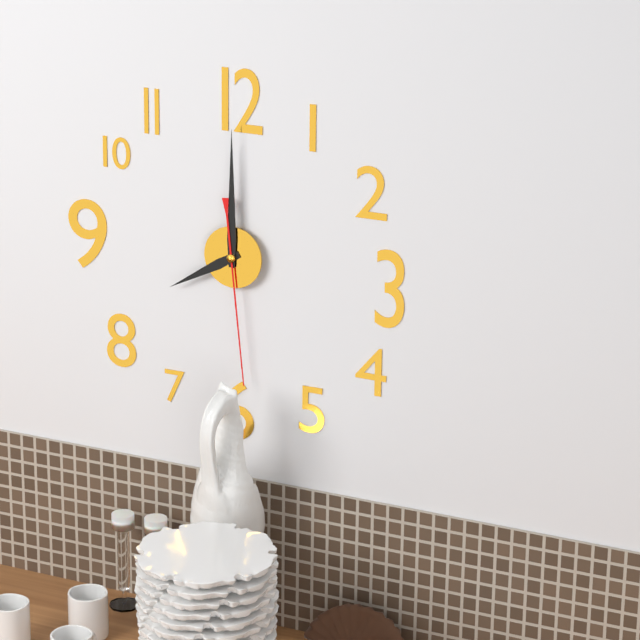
8h00m29s
